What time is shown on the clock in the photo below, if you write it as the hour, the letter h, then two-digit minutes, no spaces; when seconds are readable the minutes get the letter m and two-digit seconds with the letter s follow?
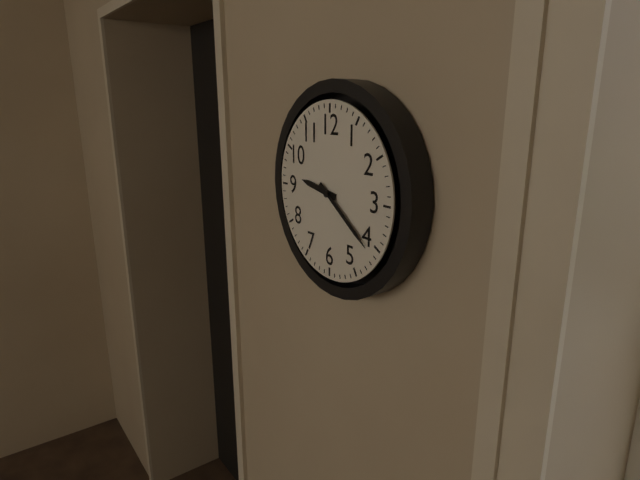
9h21
